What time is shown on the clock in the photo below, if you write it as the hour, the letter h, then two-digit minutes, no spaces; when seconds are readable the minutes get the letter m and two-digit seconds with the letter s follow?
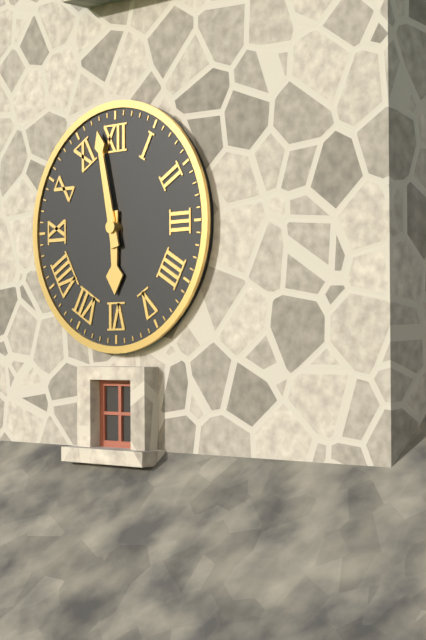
5h58
